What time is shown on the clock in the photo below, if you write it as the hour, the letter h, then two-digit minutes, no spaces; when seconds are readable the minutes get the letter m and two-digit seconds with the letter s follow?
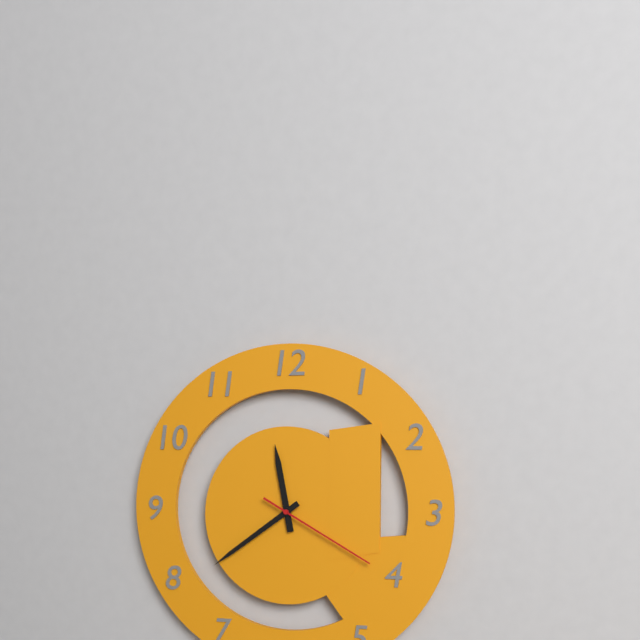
11h39m20s
